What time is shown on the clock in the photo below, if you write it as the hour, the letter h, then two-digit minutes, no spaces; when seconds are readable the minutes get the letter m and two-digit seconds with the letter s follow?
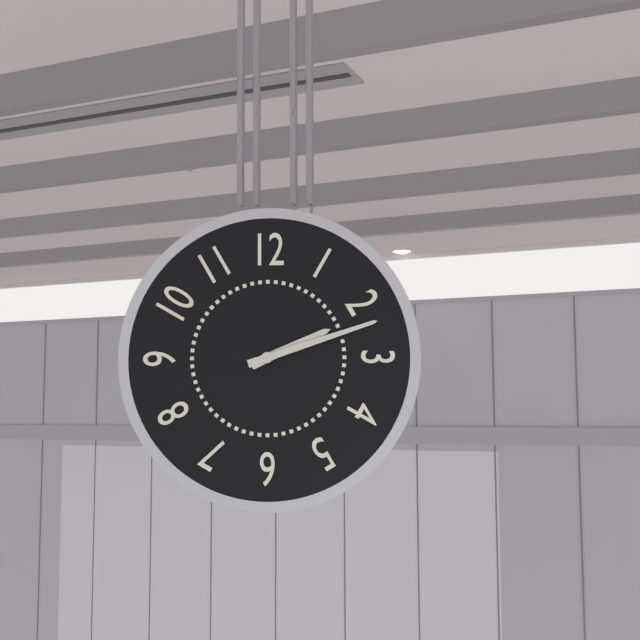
2h12
